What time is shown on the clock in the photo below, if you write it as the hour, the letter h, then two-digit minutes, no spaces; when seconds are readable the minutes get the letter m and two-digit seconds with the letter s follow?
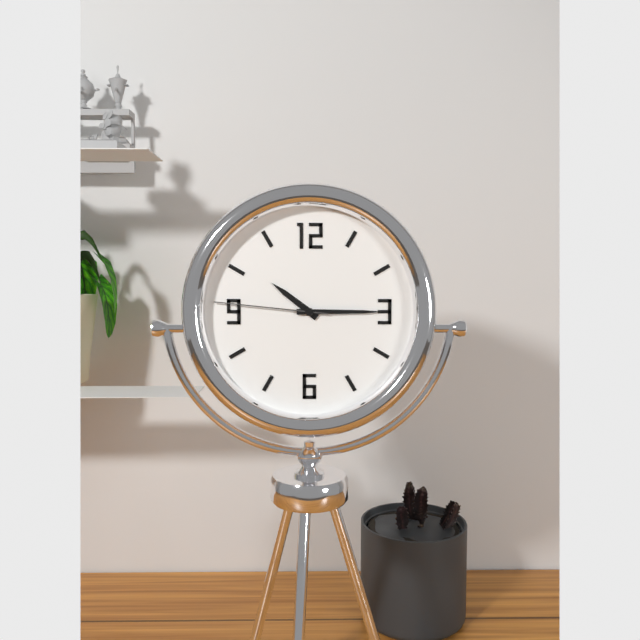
10h15m46s
